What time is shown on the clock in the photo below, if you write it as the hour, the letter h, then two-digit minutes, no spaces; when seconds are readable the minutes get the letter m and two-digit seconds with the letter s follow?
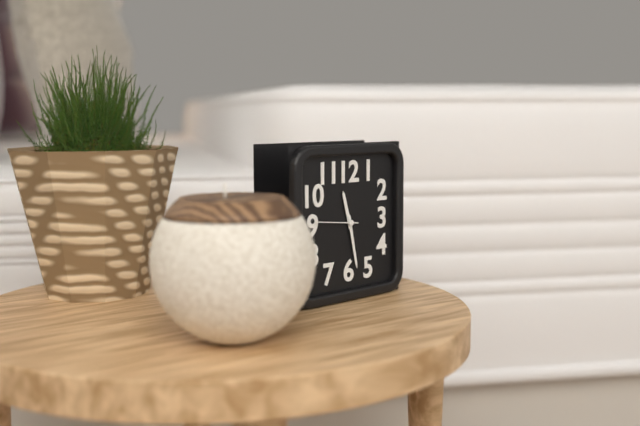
11h28
